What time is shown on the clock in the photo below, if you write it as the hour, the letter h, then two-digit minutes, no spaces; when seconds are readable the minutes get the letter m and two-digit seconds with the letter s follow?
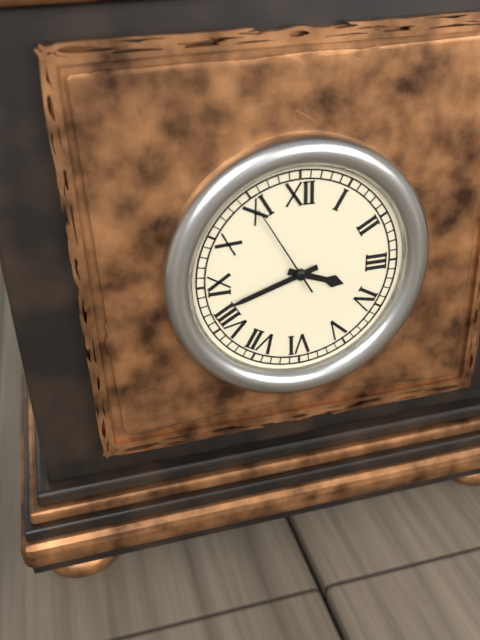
3h42m55s
